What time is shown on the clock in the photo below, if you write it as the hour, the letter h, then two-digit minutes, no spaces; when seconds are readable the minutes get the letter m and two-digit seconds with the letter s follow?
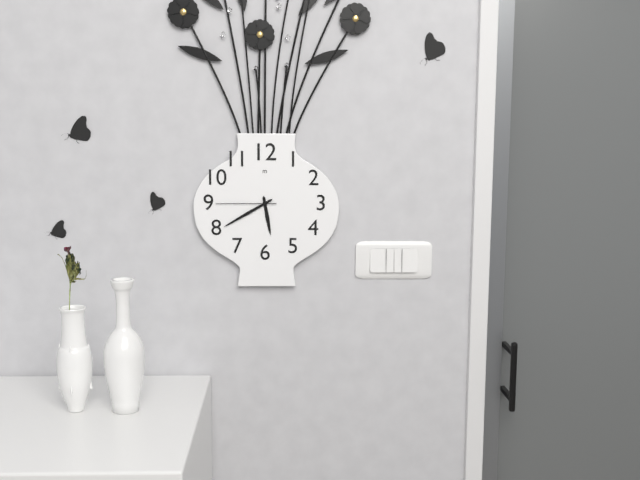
5h40m45s
